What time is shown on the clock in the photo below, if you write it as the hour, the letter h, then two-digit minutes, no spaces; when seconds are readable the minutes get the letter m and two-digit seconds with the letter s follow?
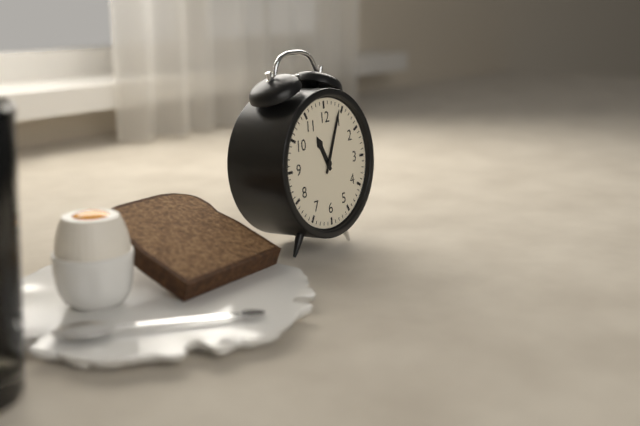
11h04
